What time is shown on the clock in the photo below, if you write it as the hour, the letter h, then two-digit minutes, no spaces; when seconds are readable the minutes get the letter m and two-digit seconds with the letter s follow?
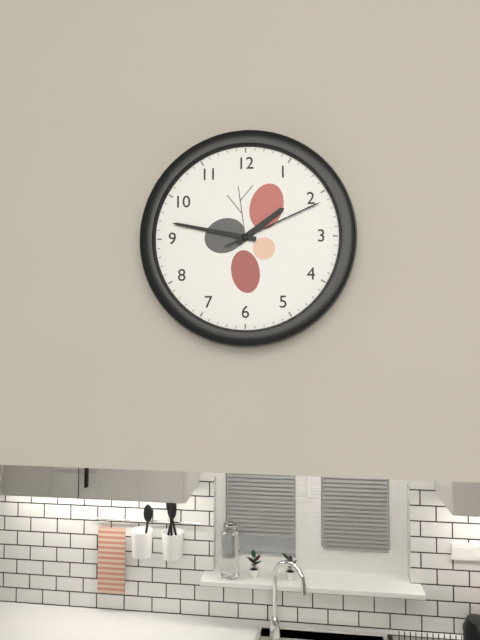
1h47m11s
